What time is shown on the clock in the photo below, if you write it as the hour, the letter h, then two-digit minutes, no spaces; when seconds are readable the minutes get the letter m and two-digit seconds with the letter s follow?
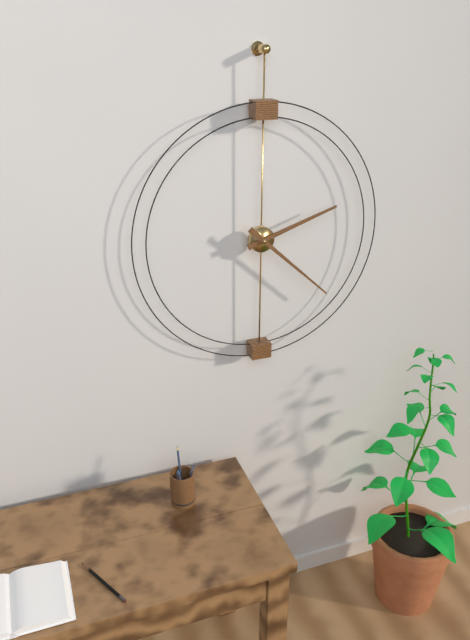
2h22
